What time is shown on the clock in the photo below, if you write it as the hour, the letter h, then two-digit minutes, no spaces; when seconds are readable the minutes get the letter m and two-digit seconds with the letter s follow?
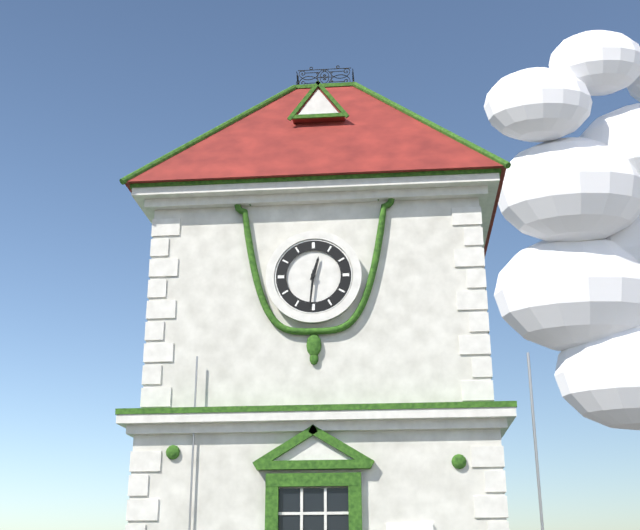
12h31
